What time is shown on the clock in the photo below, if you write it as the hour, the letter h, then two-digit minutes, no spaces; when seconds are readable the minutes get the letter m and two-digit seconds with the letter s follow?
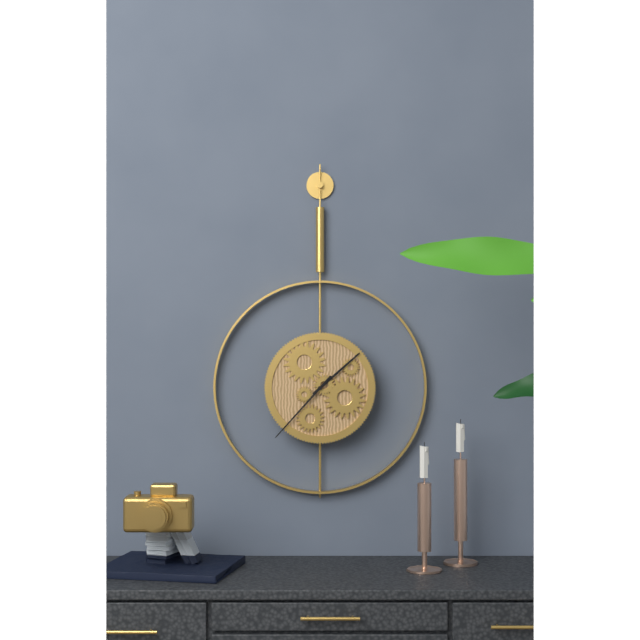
1h37
